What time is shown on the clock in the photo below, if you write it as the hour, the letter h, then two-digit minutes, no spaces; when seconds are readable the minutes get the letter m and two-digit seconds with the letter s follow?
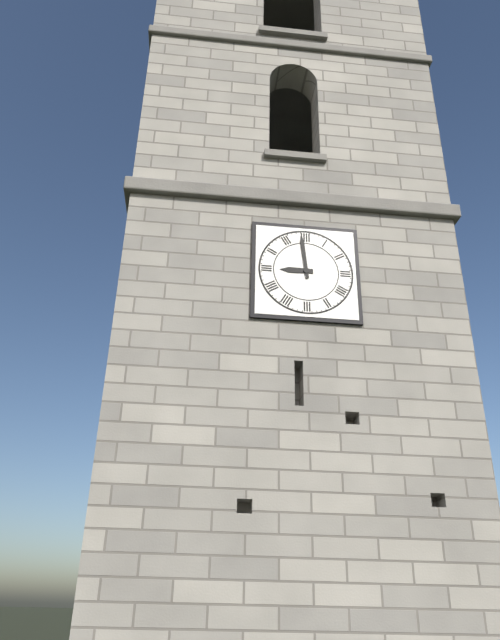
8h59
